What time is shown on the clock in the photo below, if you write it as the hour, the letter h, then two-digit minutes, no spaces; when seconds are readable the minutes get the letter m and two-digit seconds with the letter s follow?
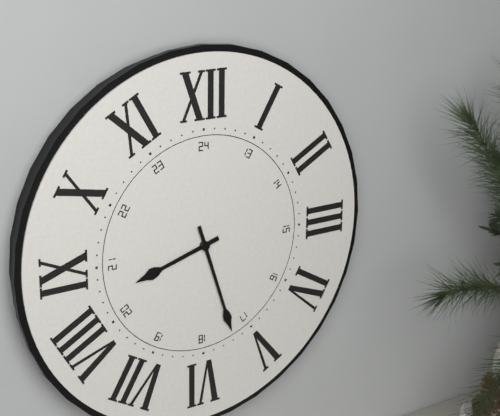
8h27
